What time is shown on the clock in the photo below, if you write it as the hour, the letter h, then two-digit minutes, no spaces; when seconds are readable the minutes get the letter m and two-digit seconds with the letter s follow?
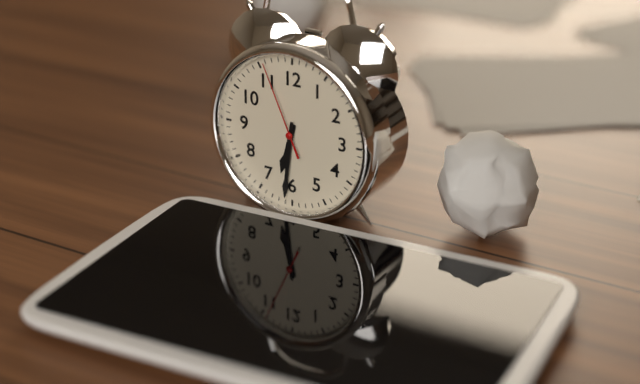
6h31m56s
